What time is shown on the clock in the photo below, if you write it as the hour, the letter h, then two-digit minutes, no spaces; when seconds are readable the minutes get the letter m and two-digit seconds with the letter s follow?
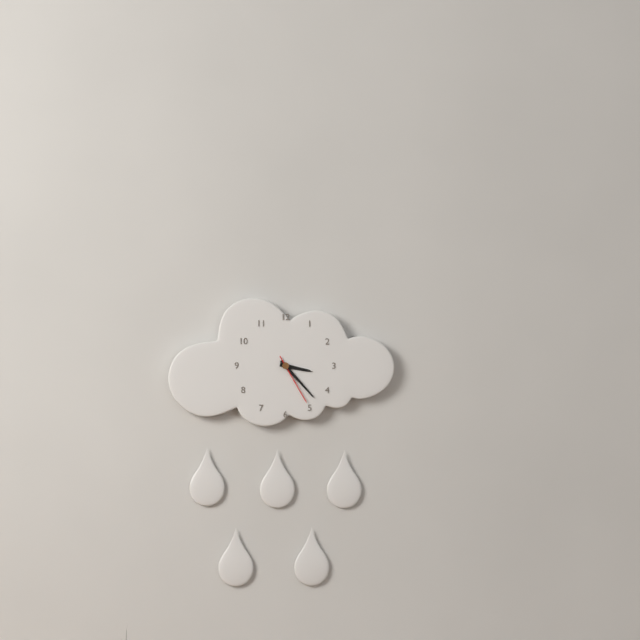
3h23m25s
